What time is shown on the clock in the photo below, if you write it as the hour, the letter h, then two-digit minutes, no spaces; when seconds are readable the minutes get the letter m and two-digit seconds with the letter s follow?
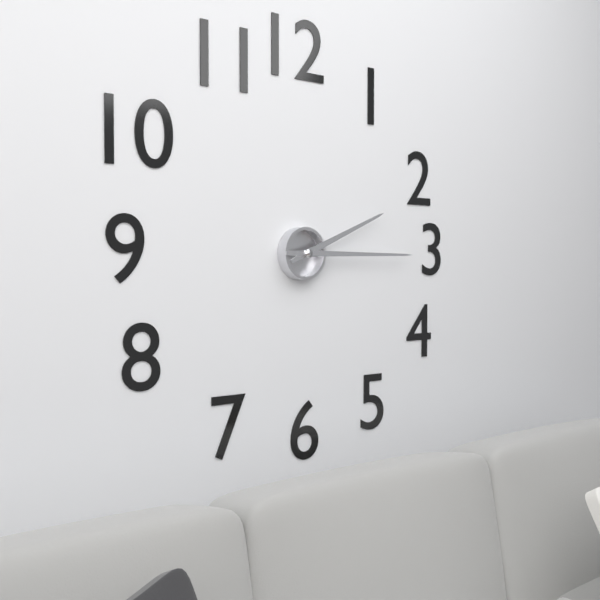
2h15
